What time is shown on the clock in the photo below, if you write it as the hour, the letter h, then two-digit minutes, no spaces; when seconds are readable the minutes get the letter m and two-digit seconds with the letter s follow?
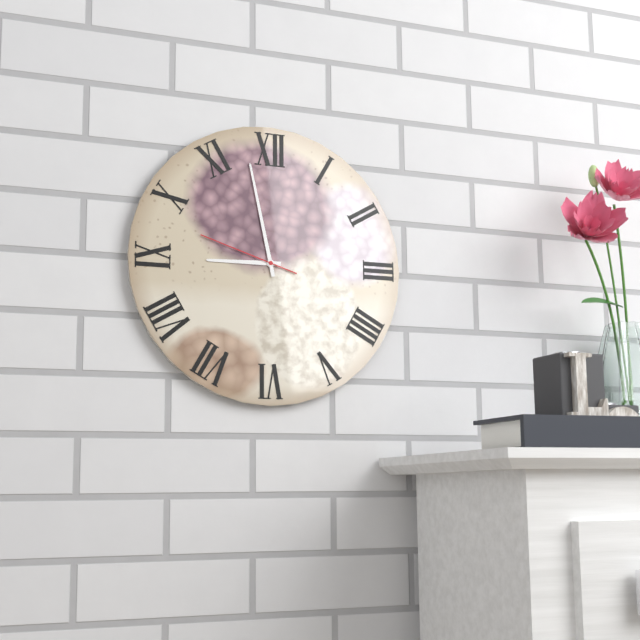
8h58m48s
